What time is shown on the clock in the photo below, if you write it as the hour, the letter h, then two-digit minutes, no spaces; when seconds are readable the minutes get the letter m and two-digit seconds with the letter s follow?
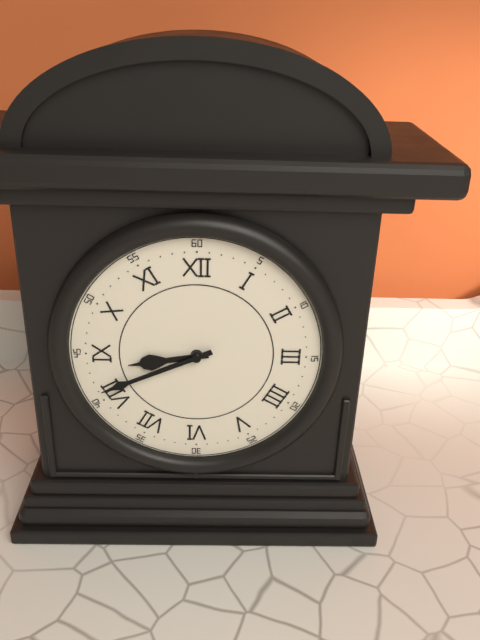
8h41
